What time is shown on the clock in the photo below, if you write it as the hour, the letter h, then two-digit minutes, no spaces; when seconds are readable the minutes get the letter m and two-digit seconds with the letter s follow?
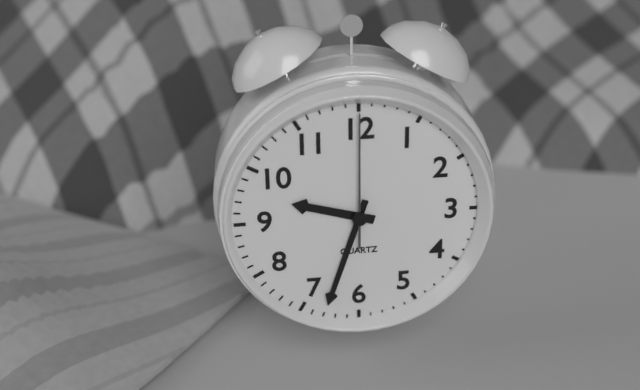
9h33m00s
